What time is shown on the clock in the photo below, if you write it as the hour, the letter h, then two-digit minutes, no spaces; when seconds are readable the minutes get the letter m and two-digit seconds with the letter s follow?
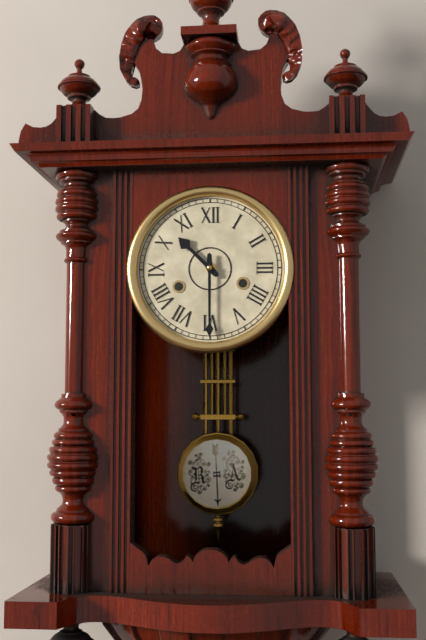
10h30
